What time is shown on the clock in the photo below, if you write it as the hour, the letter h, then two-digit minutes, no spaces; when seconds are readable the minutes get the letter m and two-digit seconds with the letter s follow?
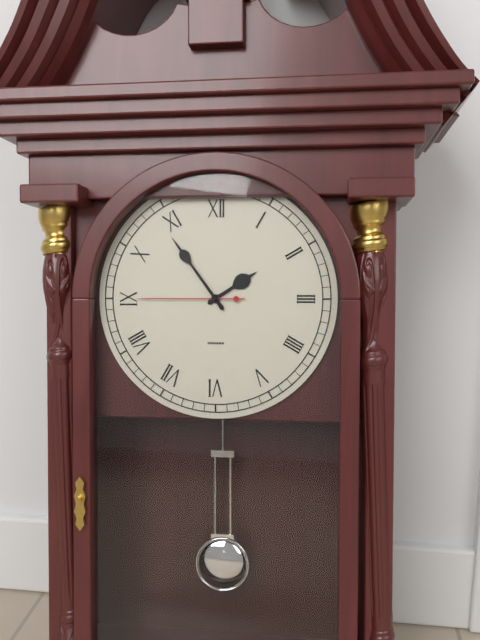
1h54m45s
